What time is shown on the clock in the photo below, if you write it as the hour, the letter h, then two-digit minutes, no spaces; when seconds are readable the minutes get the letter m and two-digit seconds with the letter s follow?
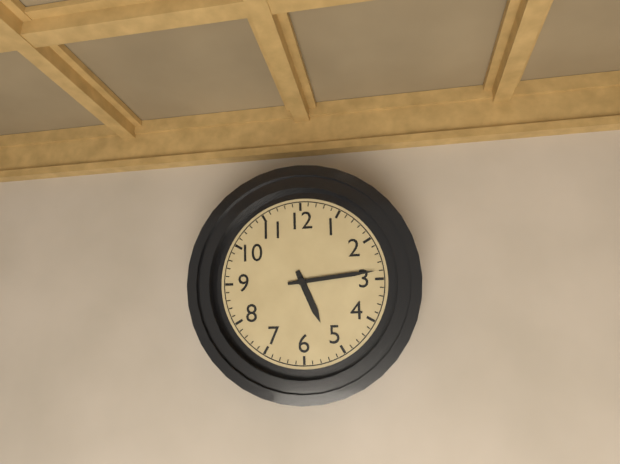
5h14
